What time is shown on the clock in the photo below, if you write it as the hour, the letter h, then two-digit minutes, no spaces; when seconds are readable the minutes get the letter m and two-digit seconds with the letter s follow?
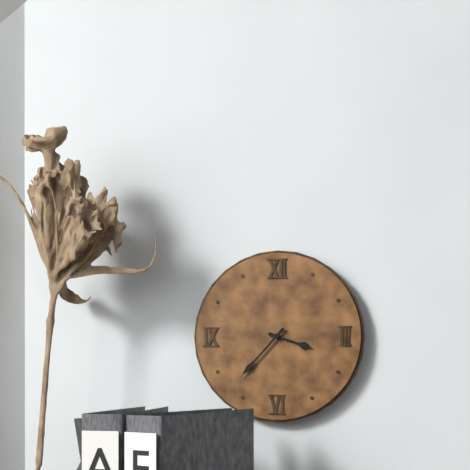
3h37
